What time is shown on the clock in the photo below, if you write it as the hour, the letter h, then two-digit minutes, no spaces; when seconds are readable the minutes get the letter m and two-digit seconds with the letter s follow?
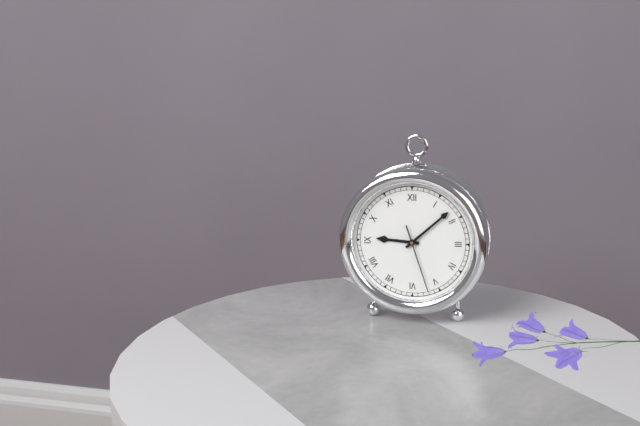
9h08m27s
